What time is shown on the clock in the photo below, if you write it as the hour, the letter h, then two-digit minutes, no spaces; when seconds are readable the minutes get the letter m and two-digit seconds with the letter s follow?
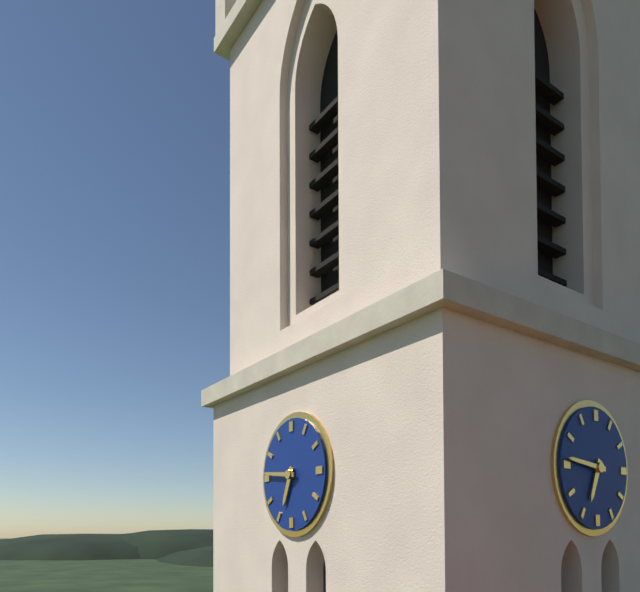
6h46
